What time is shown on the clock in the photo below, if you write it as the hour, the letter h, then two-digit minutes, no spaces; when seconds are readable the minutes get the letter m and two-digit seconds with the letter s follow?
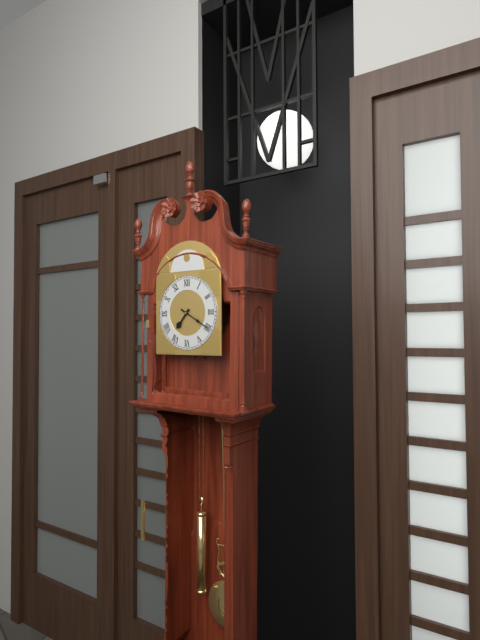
7h20
